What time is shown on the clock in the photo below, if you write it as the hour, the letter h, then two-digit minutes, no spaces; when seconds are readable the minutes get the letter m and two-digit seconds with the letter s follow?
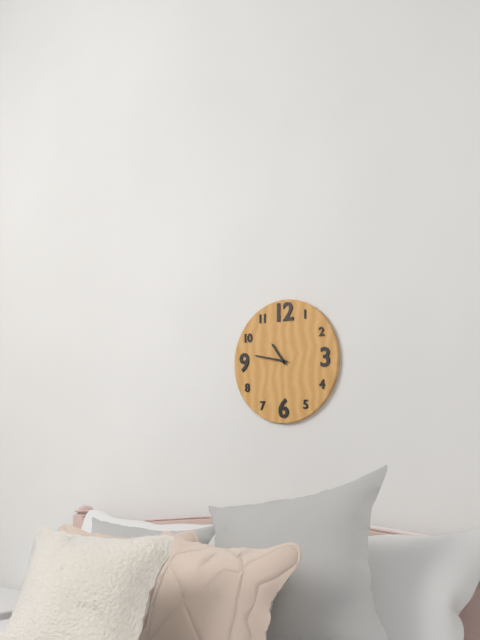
10h47
